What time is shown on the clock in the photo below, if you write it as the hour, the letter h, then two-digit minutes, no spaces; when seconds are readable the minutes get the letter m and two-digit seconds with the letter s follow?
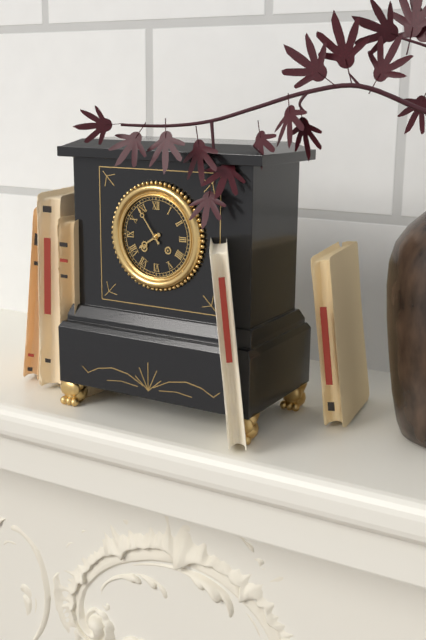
7h54
